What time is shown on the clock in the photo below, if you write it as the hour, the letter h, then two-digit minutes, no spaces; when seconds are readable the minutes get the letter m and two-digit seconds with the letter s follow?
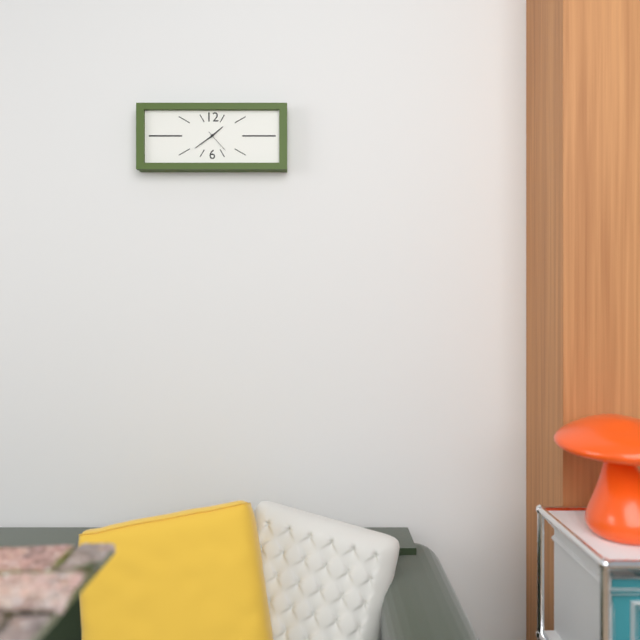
1h39
